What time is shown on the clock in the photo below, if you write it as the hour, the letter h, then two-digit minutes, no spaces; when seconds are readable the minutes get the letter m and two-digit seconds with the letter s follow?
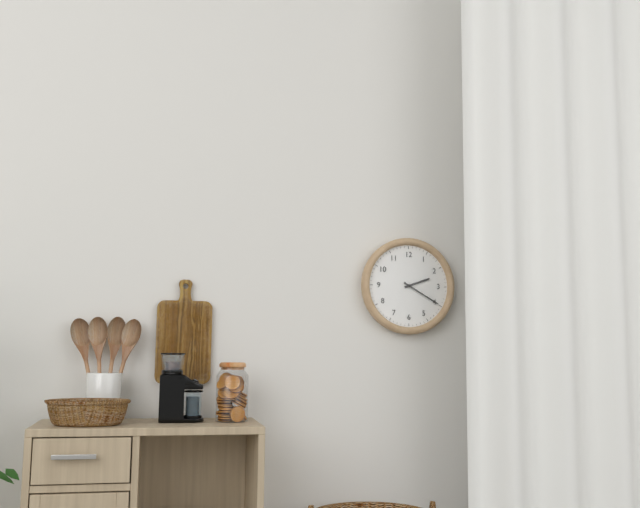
2h20
